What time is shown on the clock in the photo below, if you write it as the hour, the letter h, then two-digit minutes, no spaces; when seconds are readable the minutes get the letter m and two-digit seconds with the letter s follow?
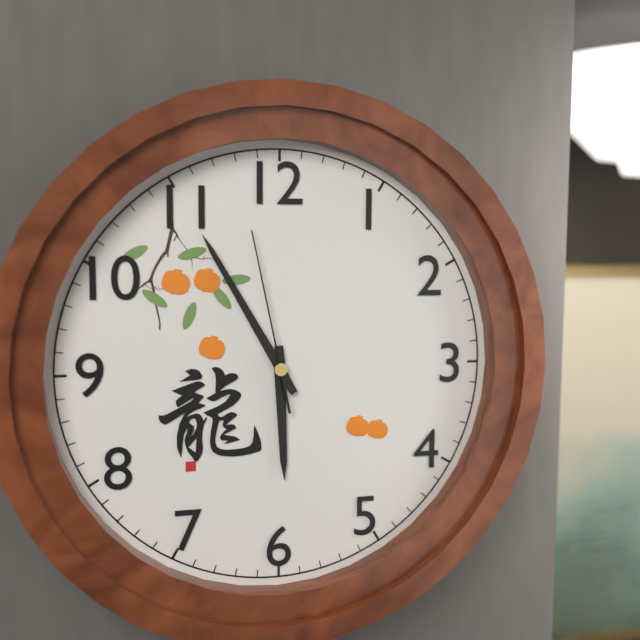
5h55m58s
